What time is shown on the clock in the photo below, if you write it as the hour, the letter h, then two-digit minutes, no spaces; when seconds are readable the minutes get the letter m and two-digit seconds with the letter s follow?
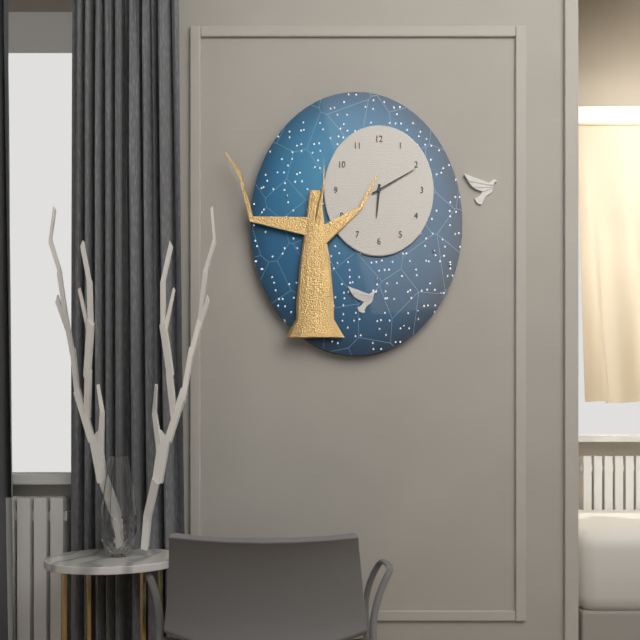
6h10
